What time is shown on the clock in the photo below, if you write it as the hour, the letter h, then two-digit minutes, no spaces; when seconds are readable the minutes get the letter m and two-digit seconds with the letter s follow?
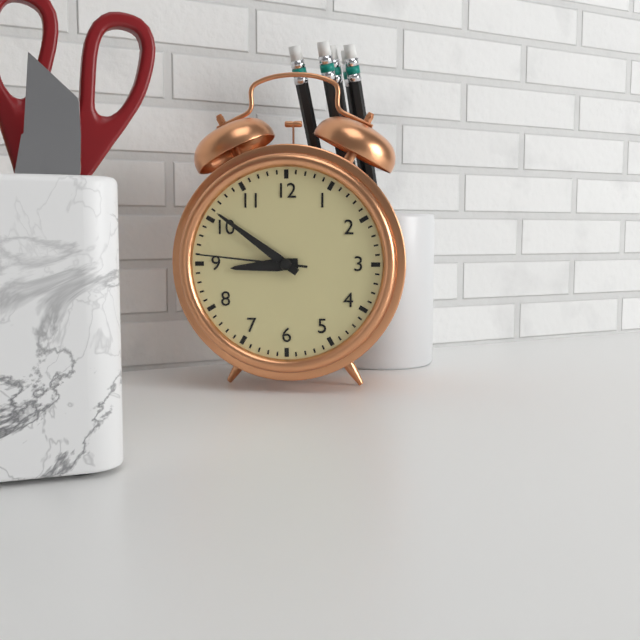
8h51m46s
